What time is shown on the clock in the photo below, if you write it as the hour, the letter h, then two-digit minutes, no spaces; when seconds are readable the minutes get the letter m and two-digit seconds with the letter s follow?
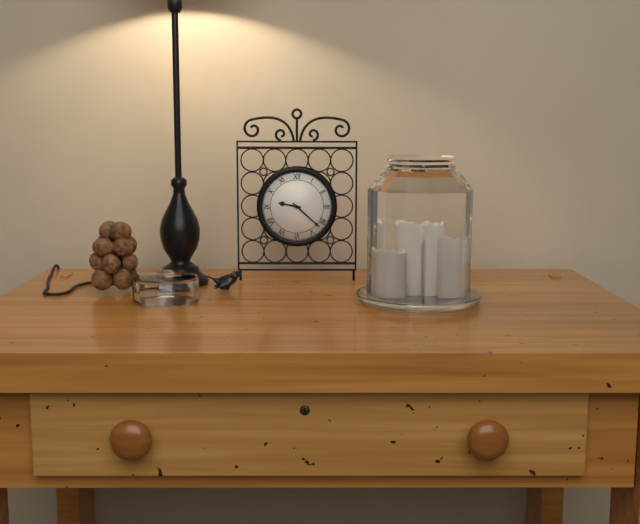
9h22
